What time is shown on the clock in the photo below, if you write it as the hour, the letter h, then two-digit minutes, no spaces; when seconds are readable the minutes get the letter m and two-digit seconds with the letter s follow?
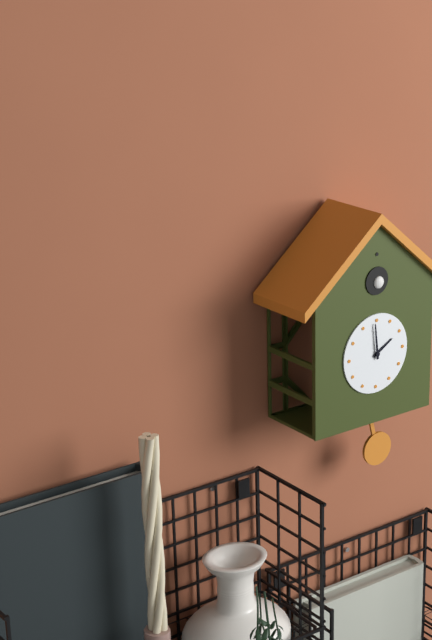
1h59
